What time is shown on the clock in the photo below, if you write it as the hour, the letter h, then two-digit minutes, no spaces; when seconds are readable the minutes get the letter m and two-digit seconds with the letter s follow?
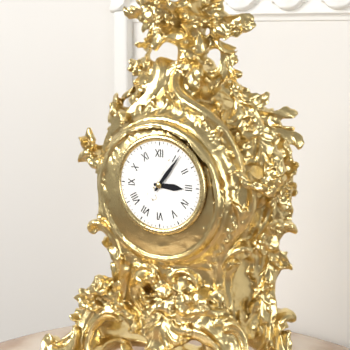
3h06
